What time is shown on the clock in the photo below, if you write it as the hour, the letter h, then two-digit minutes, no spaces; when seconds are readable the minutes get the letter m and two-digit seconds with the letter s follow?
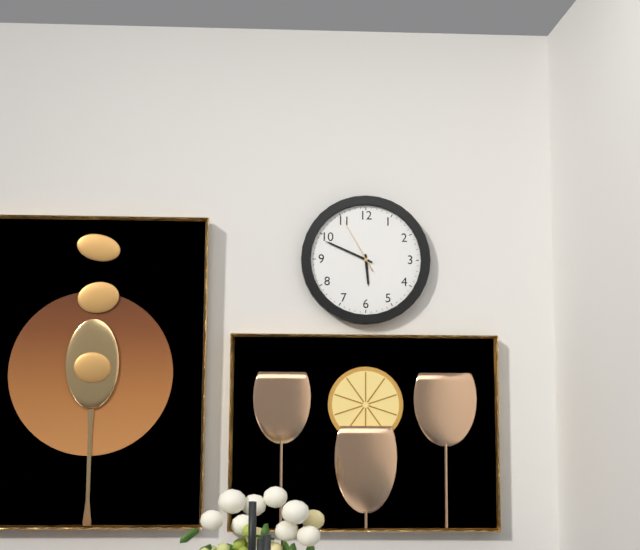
5h49m55s
